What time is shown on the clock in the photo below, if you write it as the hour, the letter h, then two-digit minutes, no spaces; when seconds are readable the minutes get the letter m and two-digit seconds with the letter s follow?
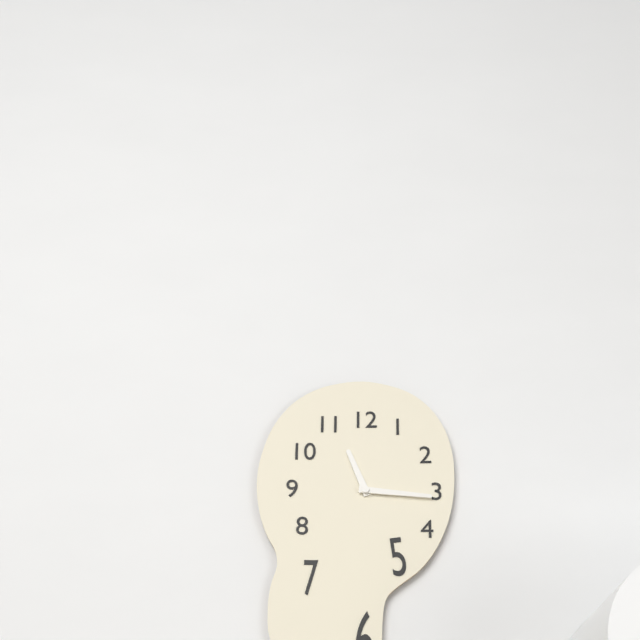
11h16
